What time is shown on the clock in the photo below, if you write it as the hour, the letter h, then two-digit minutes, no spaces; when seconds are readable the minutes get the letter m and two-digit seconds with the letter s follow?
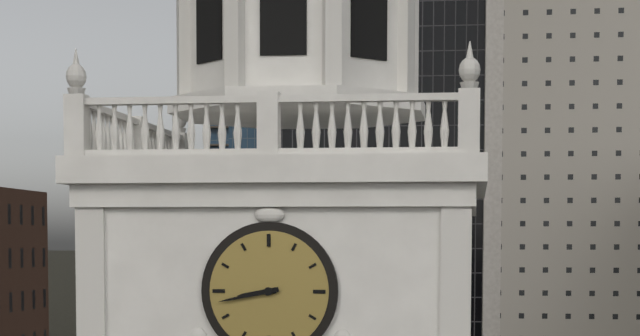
8h43
